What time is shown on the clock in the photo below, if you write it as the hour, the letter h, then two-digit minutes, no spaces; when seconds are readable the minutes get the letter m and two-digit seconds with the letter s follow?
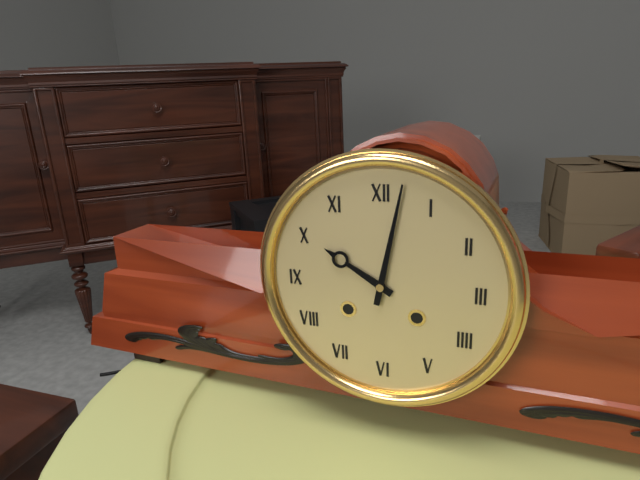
10h02
